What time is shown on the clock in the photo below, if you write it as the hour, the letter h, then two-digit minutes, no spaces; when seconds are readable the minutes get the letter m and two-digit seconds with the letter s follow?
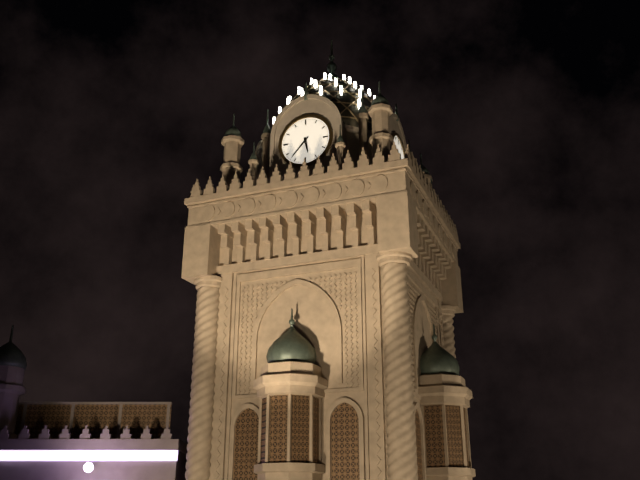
5h37
